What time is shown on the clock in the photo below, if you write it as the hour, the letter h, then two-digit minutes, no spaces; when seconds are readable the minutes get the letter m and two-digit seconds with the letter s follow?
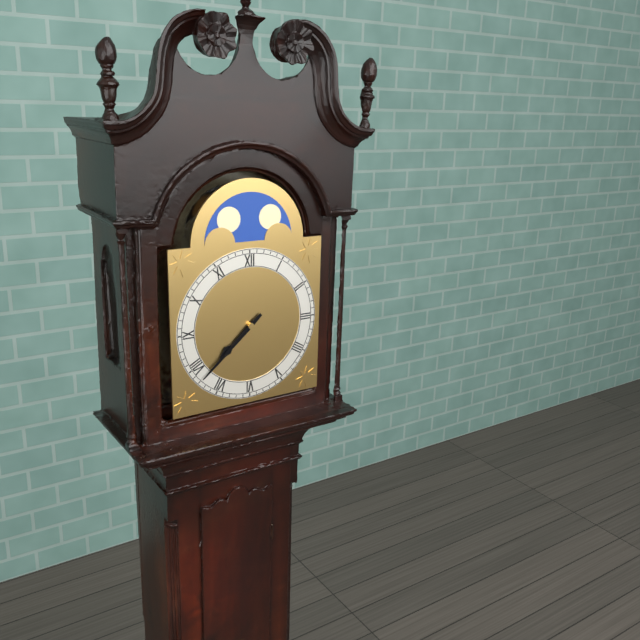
7h38
